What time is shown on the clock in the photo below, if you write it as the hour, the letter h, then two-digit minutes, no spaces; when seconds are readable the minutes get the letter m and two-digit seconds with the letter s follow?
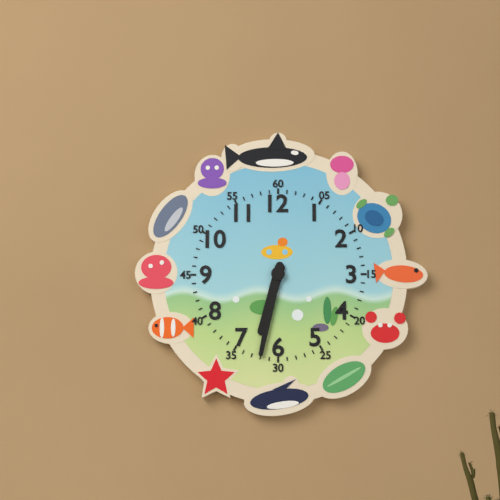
6h32
